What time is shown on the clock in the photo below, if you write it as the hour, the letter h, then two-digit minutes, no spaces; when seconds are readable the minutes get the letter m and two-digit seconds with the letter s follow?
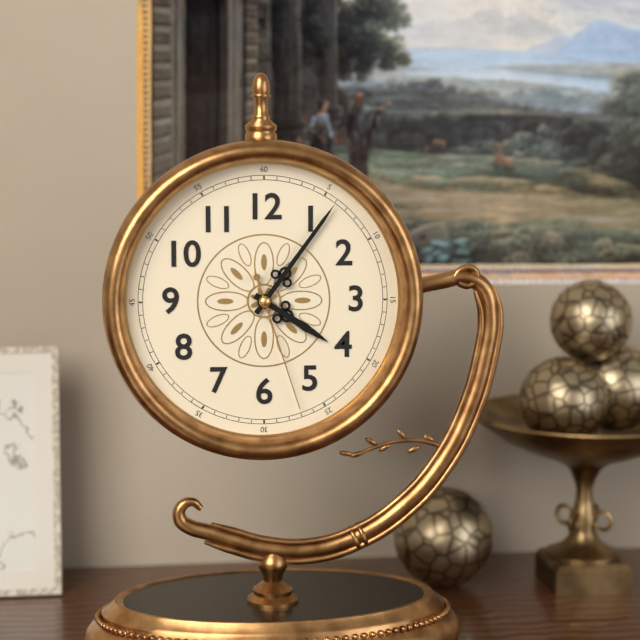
4h06m27s
